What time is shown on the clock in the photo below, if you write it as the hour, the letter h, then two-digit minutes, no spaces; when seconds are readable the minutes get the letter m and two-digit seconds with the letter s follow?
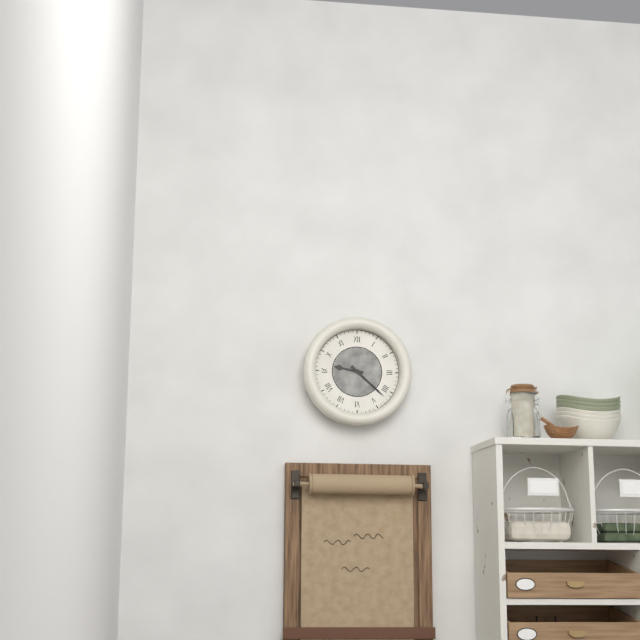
9h22
